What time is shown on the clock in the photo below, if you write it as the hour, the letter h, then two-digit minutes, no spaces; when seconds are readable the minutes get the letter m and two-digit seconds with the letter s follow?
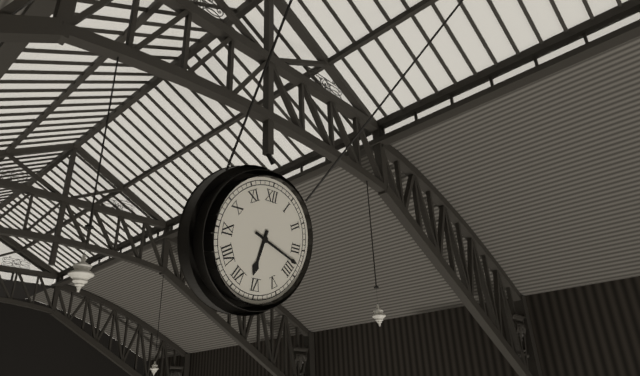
6h18
